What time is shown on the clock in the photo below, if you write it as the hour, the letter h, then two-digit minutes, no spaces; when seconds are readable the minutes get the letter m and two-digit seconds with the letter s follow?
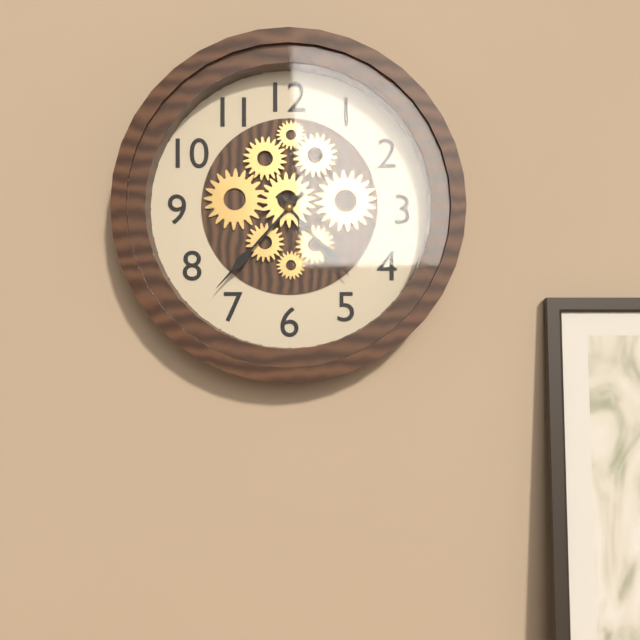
4h37
